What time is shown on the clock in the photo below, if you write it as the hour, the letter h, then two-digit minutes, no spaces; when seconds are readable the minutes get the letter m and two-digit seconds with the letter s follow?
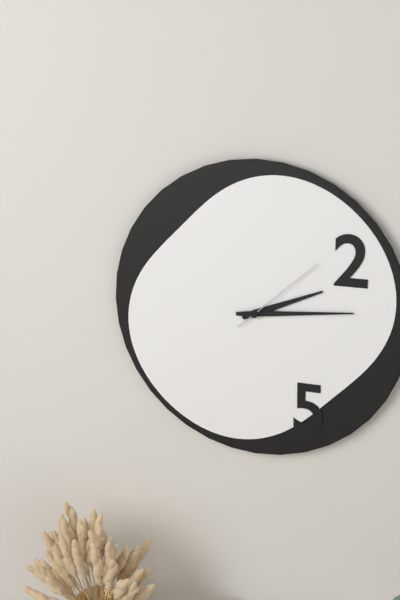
2h14m08s
